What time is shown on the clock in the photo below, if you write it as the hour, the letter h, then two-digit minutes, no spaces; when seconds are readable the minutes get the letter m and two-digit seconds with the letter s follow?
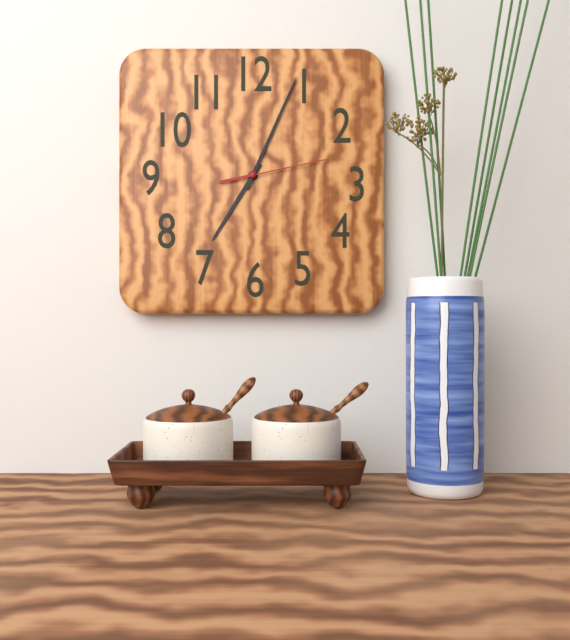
7h04m13s
